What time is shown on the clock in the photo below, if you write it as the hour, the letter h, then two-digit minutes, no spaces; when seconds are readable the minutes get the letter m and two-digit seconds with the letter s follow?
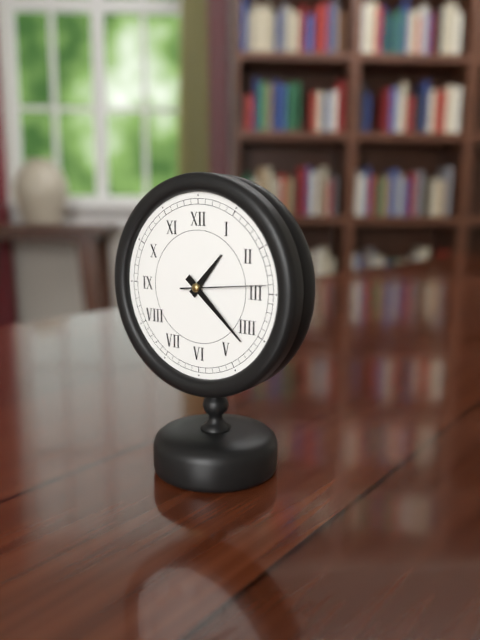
1h22m14s
